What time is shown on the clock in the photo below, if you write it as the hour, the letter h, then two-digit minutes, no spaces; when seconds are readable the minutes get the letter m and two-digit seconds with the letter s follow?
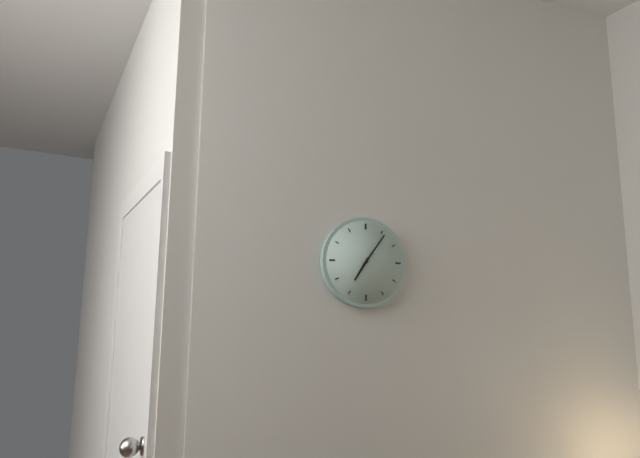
7h06
